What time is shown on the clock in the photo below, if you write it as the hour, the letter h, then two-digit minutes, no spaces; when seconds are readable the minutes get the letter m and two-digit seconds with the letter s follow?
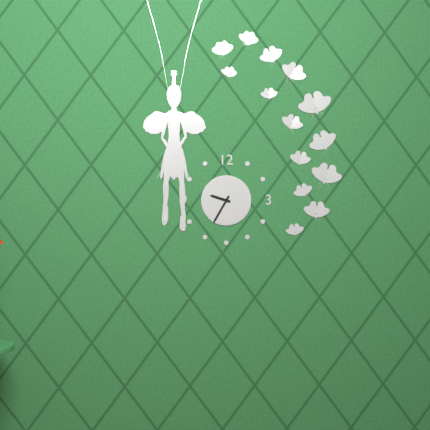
9h35
